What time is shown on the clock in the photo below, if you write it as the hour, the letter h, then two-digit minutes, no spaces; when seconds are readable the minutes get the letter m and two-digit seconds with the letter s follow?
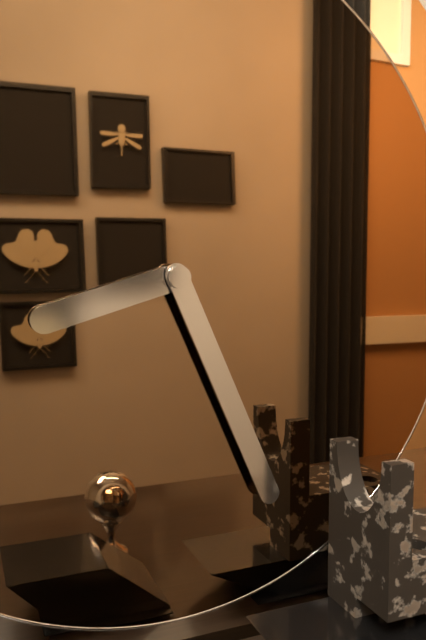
8h26
